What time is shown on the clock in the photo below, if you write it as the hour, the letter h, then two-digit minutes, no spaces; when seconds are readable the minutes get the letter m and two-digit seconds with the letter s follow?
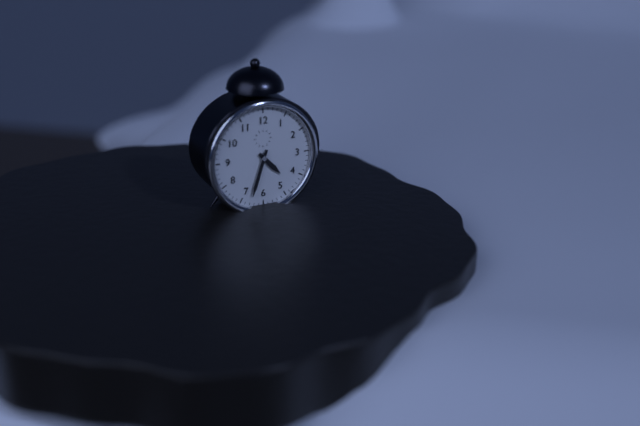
4h33
